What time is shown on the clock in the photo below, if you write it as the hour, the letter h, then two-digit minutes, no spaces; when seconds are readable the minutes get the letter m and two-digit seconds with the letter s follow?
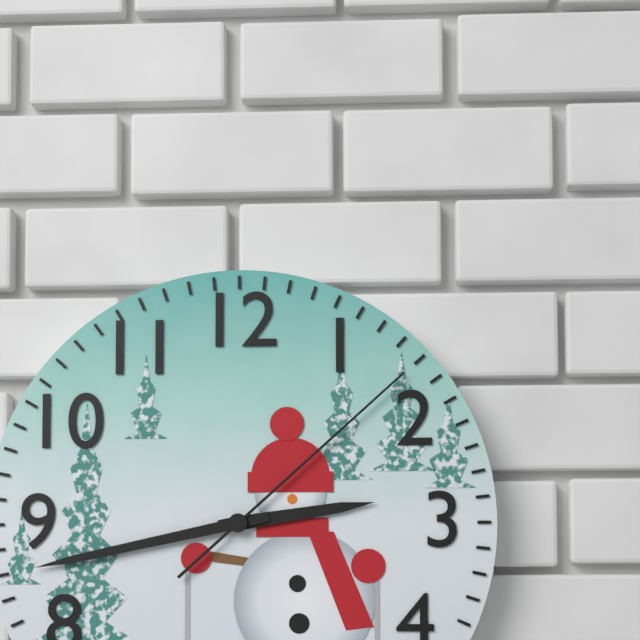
2h43m08s
